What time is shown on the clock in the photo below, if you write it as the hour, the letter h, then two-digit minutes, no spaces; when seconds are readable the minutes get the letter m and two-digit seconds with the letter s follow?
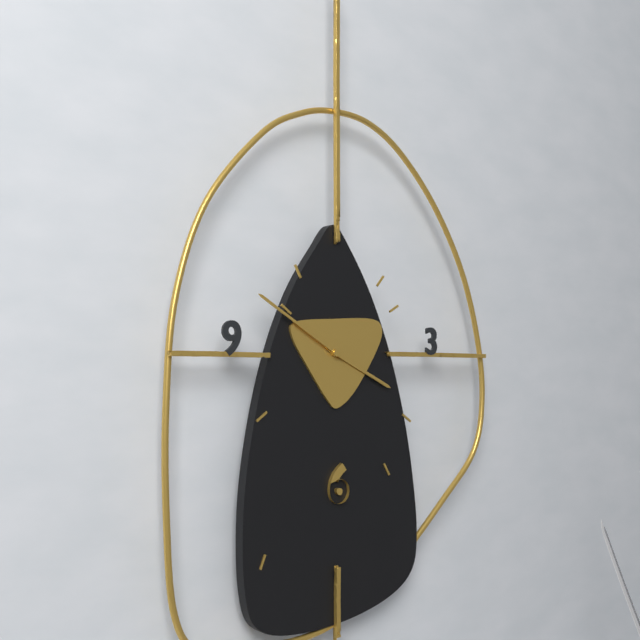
3h50
